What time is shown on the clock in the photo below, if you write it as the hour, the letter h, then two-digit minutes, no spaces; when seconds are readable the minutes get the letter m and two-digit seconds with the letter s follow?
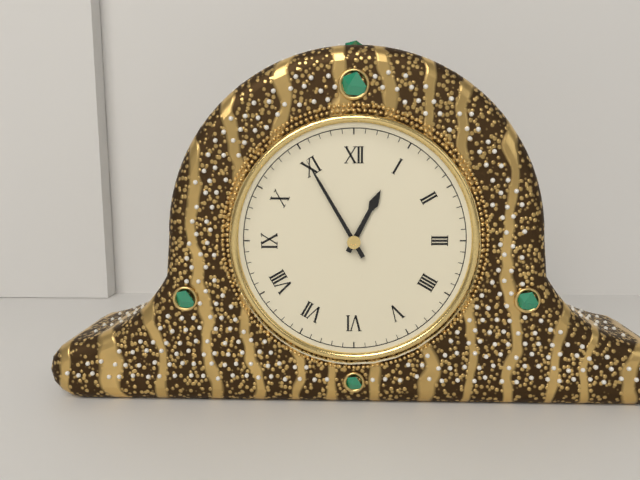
12h55
